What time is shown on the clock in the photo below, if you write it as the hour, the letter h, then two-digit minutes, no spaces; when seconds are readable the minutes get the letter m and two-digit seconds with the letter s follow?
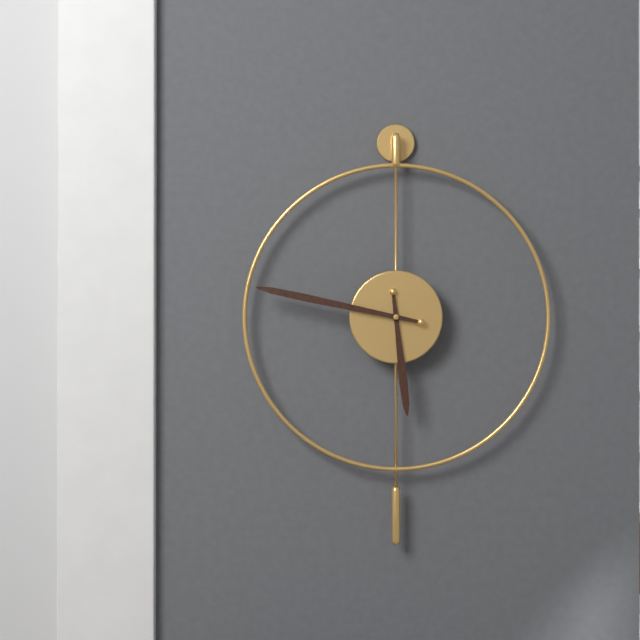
5h47
